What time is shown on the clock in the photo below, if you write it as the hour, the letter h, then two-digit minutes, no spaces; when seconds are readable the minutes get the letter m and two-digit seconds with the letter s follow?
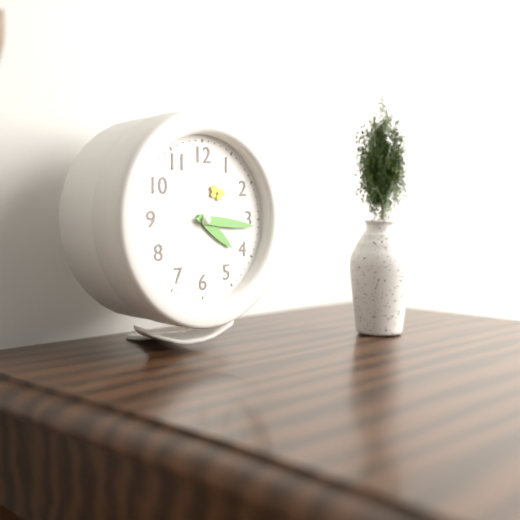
4h16
